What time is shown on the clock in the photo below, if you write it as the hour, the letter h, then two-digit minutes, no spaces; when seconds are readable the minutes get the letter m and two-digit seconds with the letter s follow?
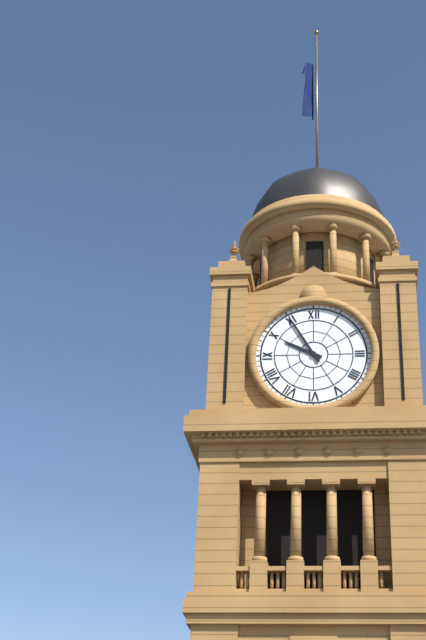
9h55
